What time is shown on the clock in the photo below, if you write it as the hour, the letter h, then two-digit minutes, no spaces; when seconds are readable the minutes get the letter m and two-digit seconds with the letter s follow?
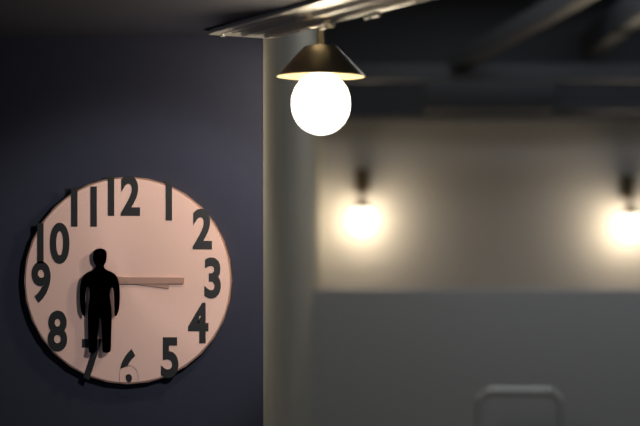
3h15
